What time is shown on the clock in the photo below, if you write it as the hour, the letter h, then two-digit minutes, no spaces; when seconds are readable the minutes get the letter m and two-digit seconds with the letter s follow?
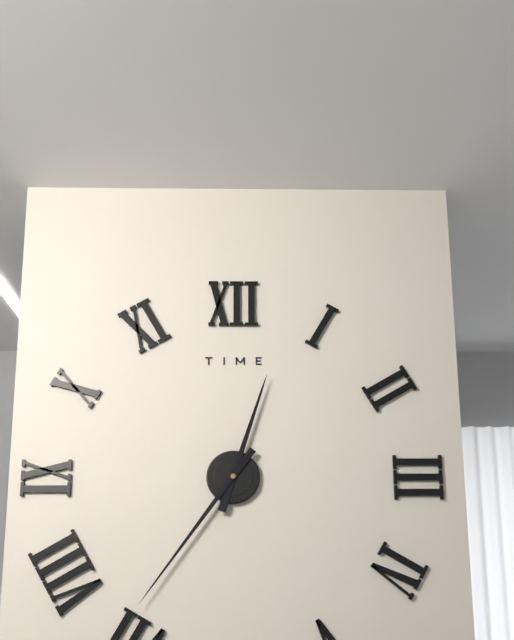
12h36
